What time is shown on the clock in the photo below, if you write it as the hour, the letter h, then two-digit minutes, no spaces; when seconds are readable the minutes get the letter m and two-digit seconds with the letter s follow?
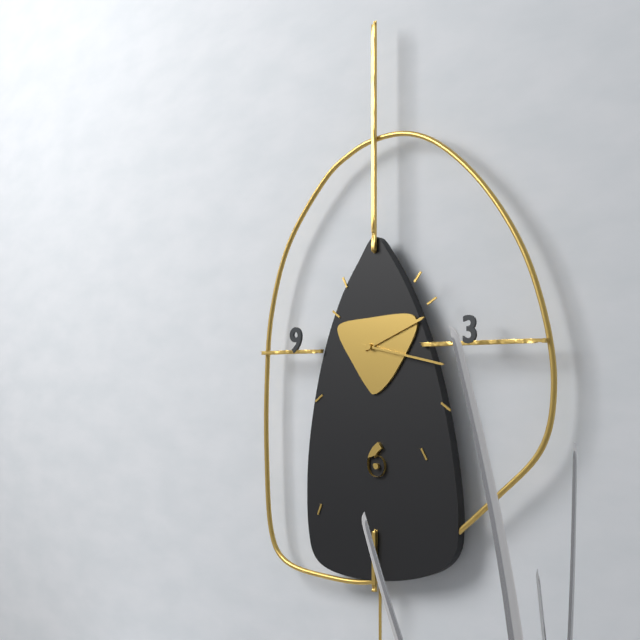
2h17
